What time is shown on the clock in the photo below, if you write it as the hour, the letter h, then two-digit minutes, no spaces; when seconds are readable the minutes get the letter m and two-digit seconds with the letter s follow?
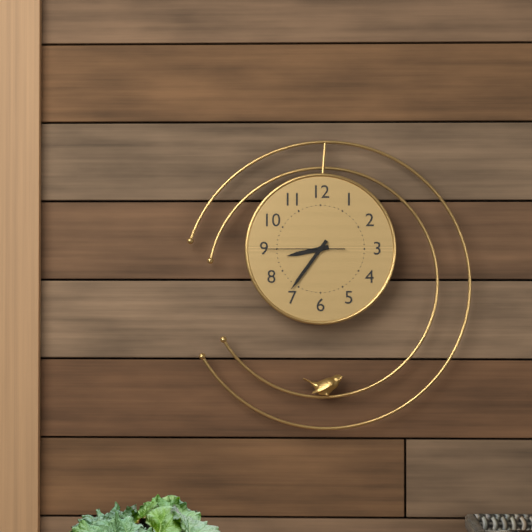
8h36m45s
